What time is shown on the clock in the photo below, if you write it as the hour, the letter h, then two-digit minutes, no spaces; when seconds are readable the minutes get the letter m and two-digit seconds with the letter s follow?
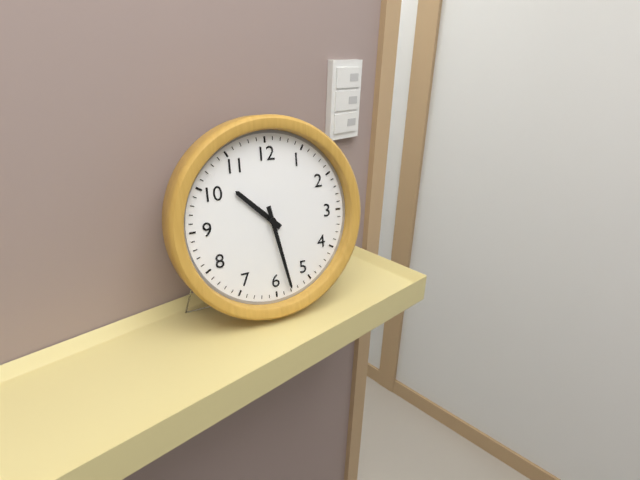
10h28
